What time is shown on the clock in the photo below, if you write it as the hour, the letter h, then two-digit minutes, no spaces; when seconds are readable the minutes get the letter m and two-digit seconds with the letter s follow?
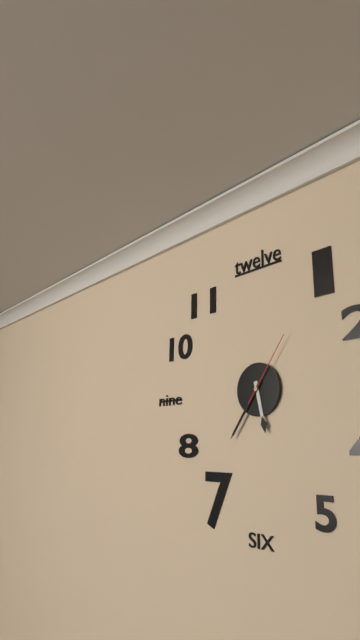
5h36m06s
